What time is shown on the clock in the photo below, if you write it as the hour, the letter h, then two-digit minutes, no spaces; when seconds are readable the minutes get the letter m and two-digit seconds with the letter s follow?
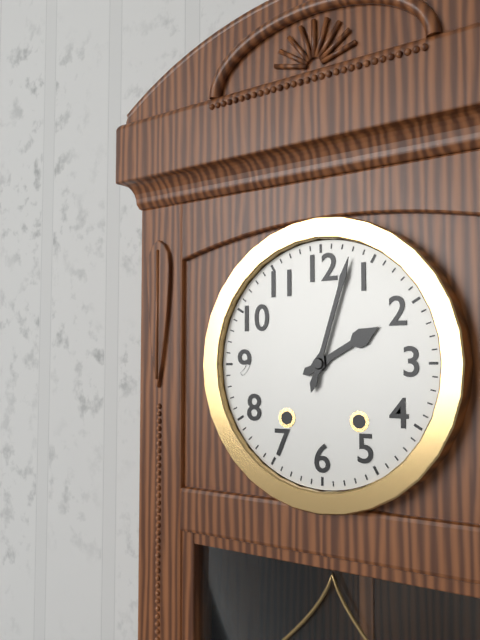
2h03
